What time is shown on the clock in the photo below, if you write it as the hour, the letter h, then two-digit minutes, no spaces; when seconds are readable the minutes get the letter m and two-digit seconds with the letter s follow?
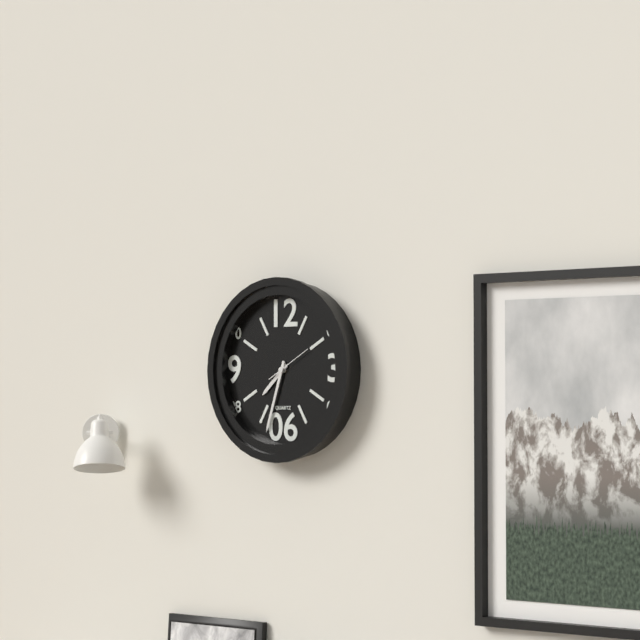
7h33
